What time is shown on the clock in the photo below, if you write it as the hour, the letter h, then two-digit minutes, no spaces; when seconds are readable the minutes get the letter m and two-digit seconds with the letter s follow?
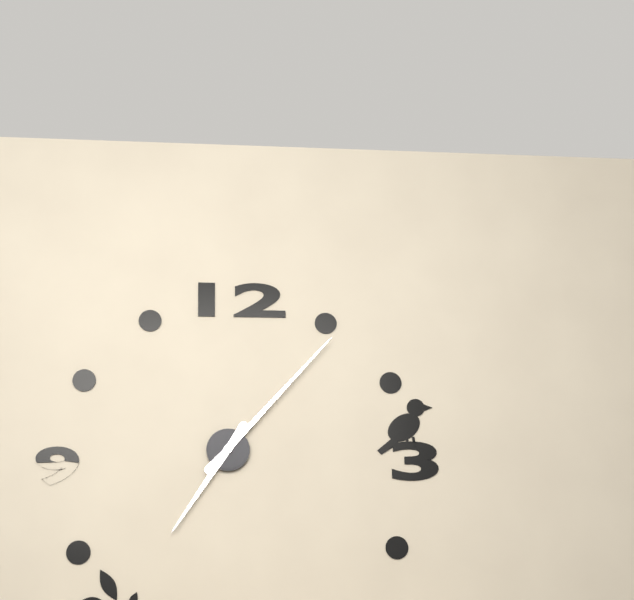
7h07
